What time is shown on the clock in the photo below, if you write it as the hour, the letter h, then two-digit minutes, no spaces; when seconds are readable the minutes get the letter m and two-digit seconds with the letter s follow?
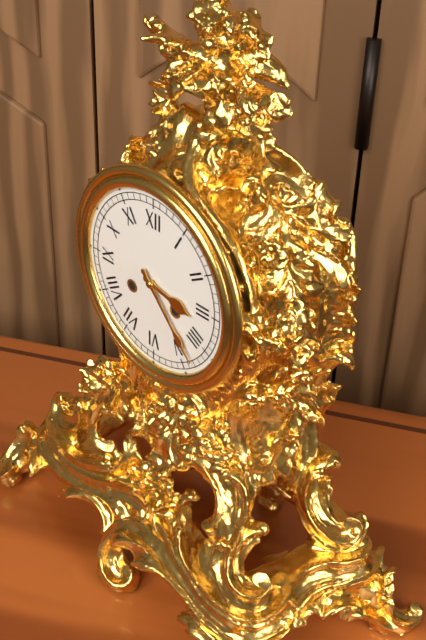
3h23
